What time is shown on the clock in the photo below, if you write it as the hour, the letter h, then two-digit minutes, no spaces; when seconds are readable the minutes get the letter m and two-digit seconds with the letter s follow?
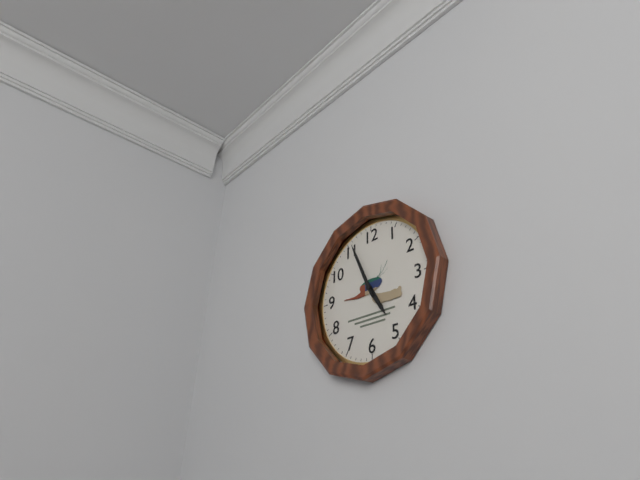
4h56
